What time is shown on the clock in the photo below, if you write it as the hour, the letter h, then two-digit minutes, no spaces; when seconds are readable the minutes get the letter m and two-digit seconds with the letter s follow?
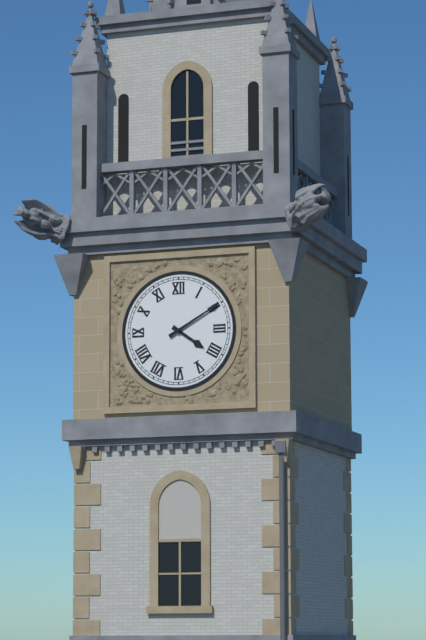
4h10
